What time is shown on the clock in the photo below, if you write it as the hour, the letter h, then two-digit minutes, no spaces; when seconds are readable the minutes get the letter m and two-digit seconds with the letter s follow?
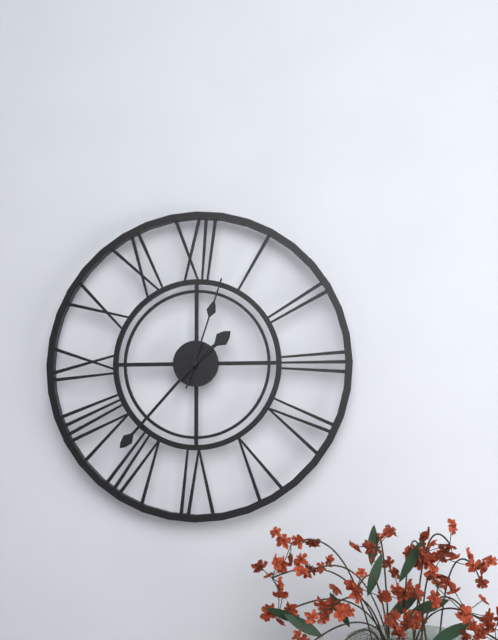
1h37m03s
